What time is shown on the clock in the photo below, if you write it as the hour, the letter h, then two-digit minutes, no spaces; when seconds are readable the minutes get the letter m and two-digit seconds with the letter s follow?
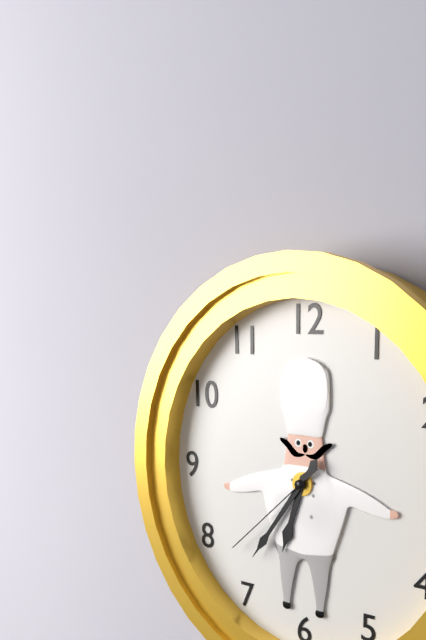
6h36m38s
